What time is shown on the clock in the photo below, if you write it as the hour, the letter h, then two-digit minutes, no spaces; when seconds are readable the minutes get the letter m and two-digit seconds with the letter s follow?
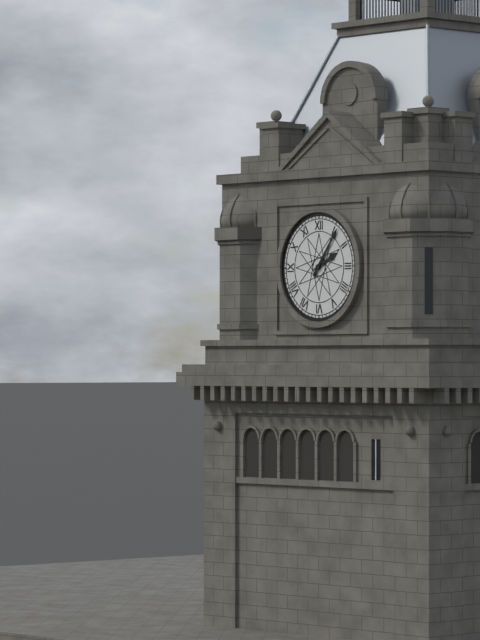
2h06
